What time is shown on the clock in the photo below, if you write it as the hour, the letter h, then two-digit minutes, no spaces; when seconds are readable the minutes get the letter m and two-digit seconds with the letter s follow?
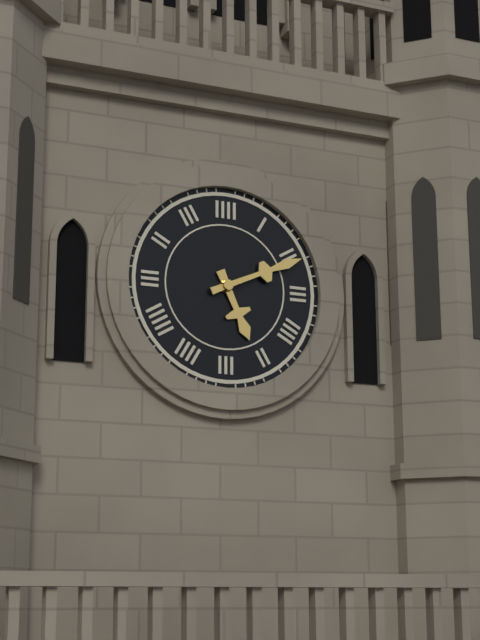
5h11
